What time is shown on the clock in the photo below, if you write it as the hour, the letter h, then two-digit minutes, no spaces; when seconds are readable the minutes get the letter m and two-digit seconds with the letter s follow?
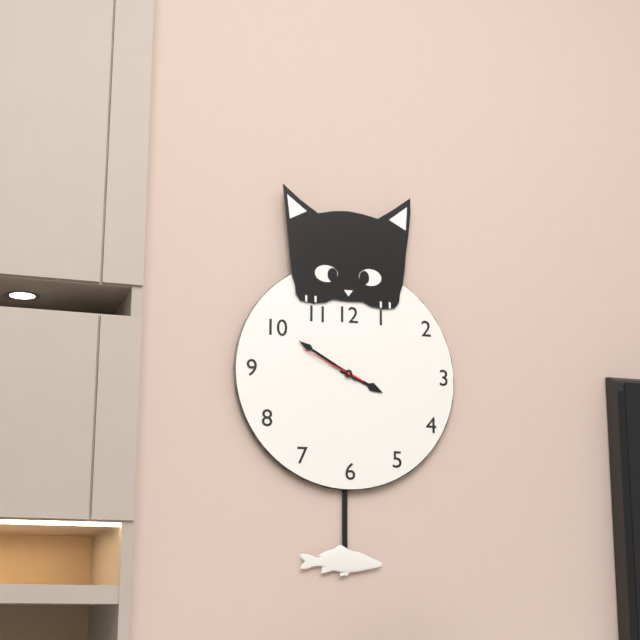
3h50m49s
